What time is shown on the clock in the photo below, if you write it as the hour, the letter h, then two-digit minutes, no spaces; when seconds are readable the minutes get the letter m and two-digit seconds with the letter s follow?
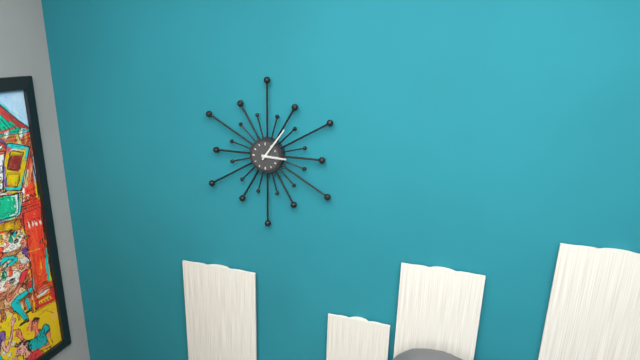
3h06
